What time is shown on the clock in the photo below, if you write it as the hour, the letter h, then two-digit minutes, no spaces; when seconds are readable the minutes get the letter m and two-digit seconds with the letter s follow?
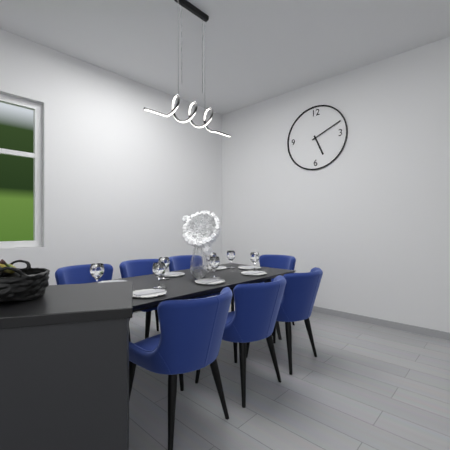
5h11
